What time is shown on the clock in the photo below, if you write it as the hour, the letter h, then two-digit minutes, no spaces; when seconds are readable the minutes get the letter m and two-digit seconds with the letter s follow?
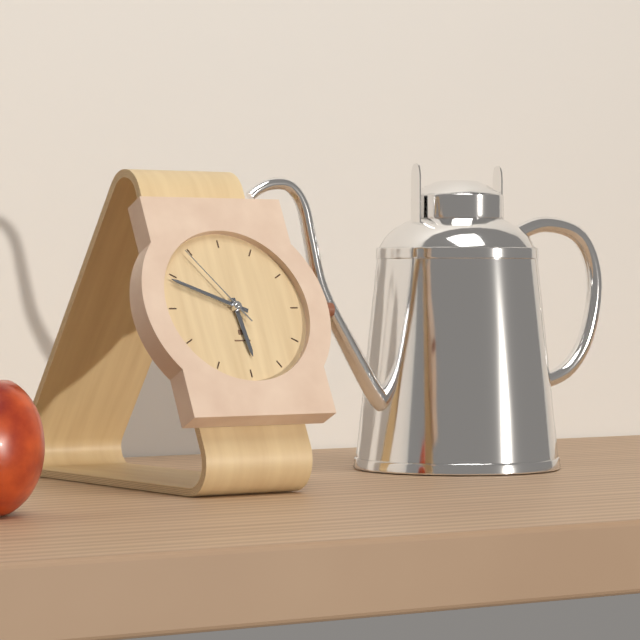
5h49m54s
